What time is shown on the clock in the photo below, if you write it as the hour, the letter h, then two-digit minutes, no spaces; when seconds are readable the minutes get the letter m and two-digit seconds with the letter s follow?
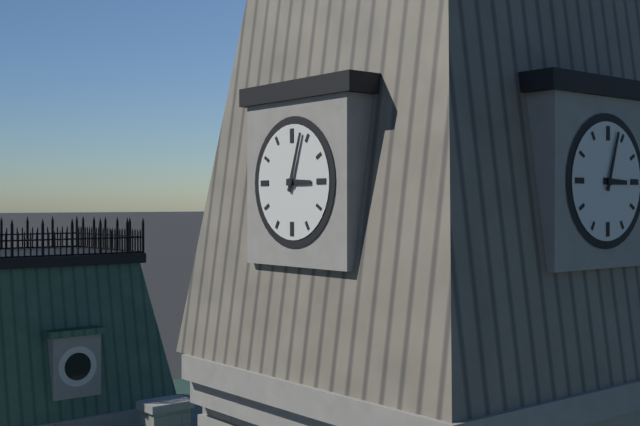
3h03
